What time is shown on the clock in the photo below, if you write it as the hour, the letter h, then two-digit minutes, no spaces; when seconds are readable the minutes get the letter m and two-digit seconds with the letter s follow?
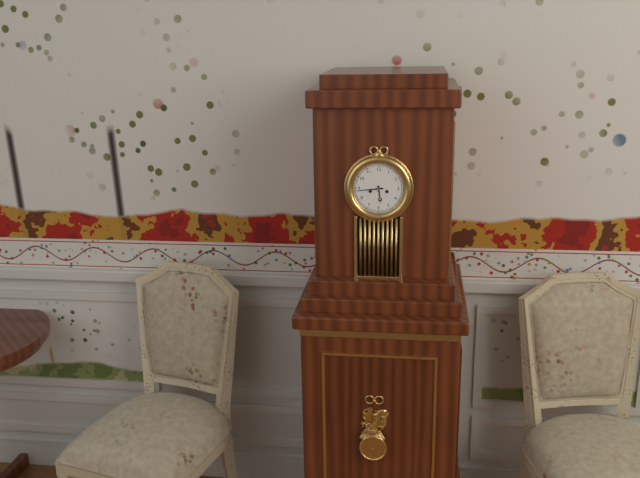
5h44
